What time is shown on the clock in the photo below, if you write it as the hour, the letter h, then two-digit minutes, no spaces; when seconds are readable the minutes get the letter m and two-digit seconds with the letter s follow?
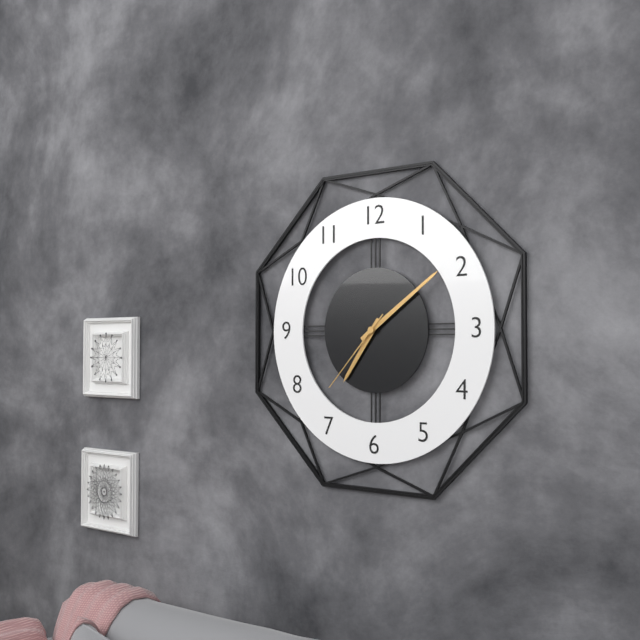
7h09m37s
